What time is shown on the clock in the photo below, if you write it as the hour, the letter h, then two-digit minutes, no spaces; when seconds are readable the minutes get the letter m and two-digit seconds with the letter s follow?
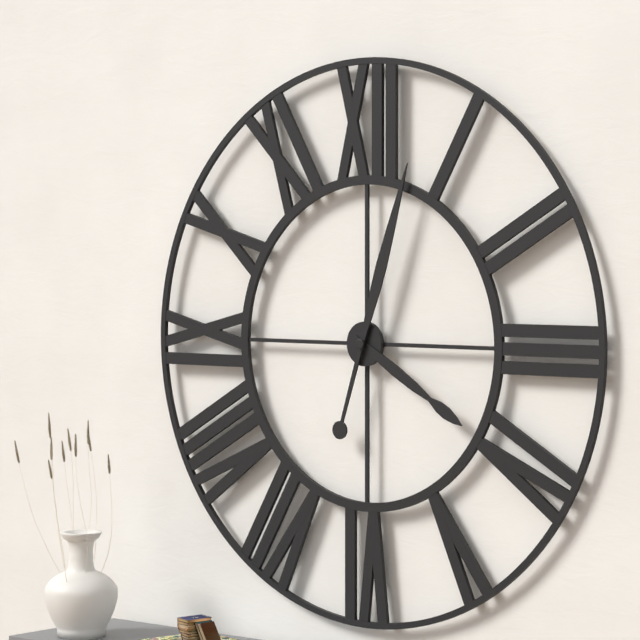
4h03
